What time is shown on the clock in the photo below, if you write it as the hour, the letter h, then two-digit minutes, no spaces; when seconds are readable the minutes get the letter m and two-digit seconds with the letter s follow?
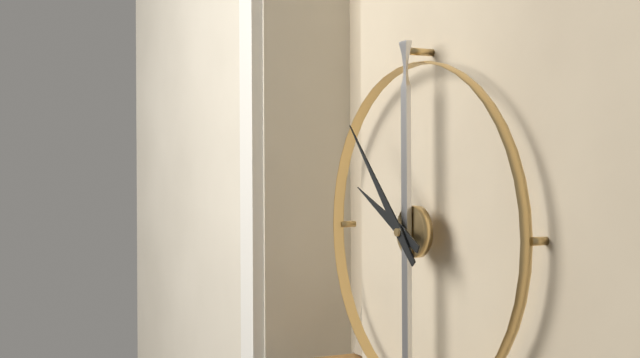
9h53
